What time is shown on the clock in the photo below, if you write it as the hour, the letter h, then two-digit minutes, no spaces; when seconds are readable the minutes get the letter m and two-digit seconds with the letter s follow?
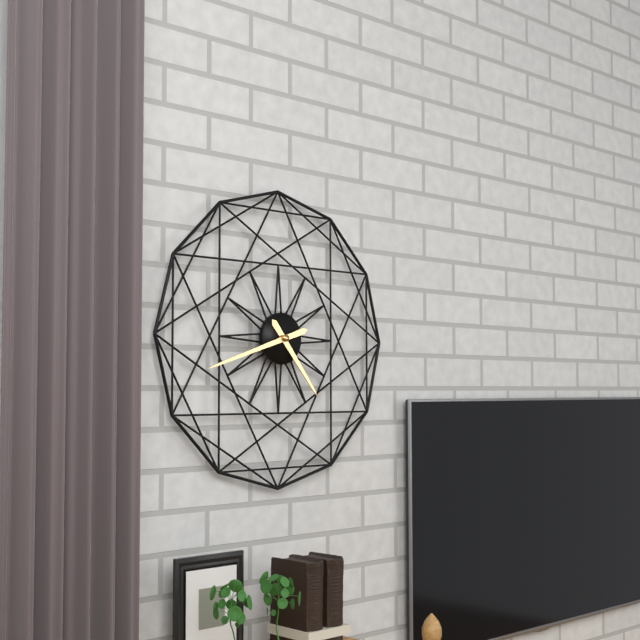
4h42
